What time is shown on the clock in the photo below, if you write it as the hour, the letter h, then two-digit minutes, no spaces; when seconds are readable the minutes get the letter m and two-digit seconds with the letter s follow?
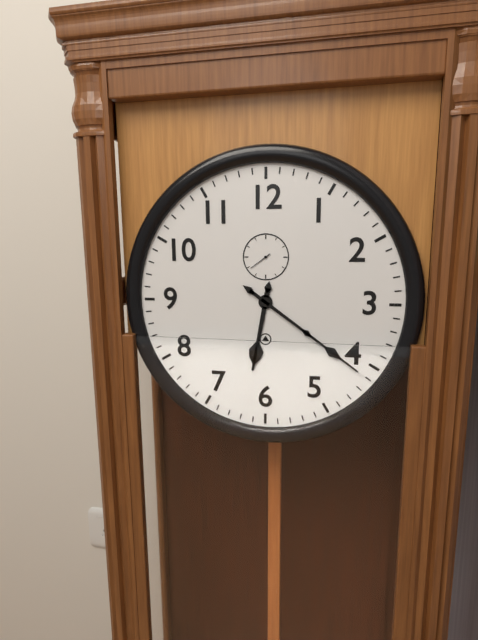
6h21
